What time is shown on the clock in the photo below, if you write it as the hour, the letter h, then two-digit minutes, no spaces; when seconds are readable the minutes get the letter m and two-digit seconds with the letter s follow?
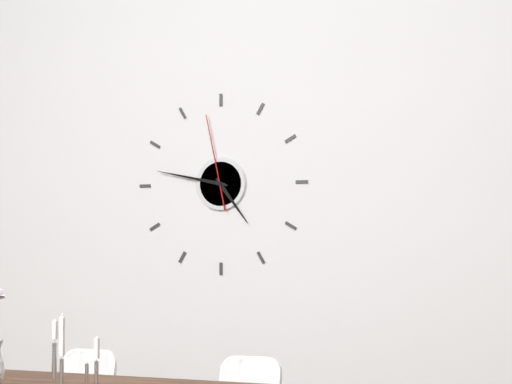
4h47m58s
